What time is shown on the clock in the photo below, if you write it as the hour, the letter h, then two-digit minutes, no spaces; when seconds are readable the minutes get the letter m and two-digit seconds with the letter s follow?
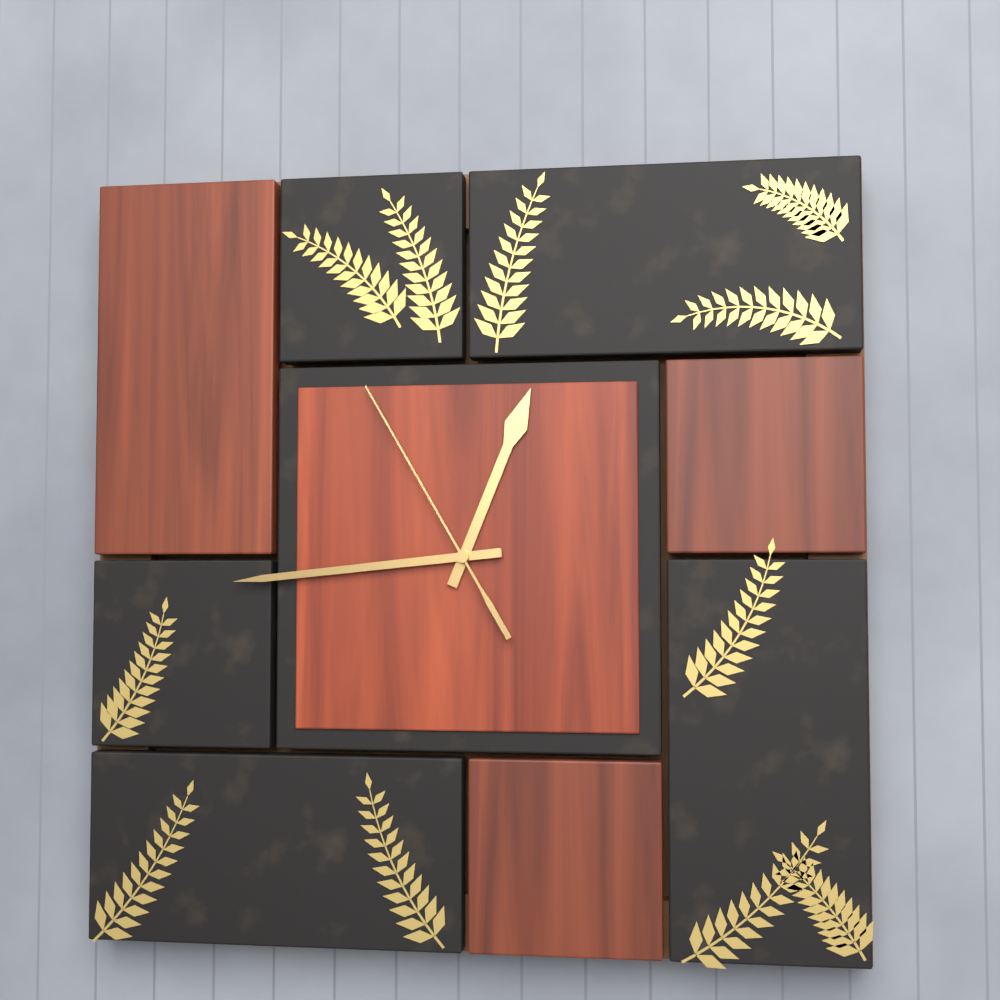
12h44m55s
